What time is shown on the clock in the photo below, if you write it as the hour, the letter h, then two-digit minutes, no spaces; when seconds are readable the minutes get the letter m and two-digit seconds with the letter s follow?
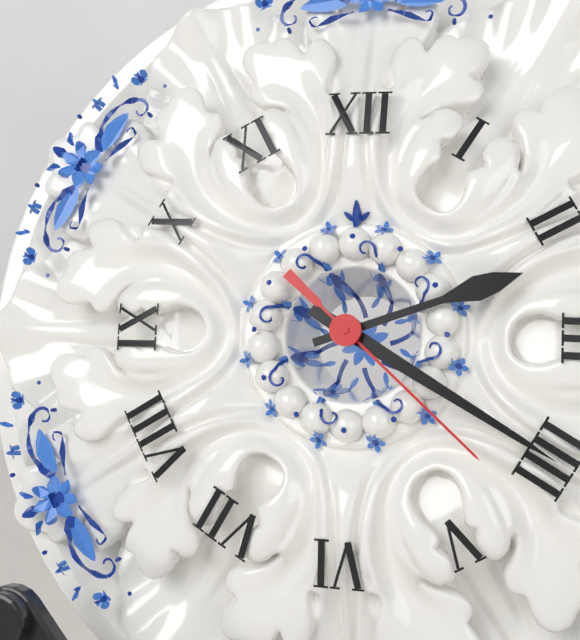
2h20m22s
